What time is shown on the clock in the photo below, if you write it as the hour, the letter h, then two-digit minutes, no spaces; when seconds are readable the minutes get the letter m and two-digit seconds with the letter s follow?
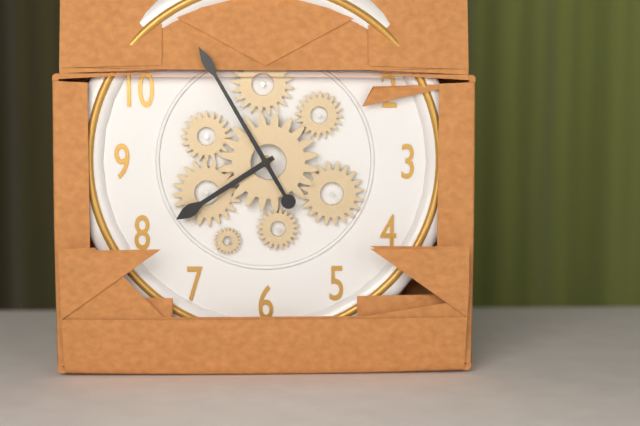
7h55
